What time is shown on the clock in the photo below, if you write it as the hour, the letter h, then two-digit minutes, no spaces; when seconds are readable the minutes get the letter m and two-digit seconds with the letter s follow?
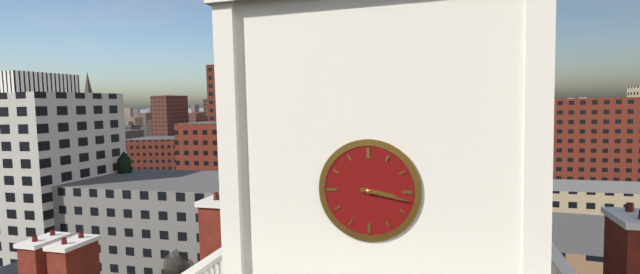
3h17
